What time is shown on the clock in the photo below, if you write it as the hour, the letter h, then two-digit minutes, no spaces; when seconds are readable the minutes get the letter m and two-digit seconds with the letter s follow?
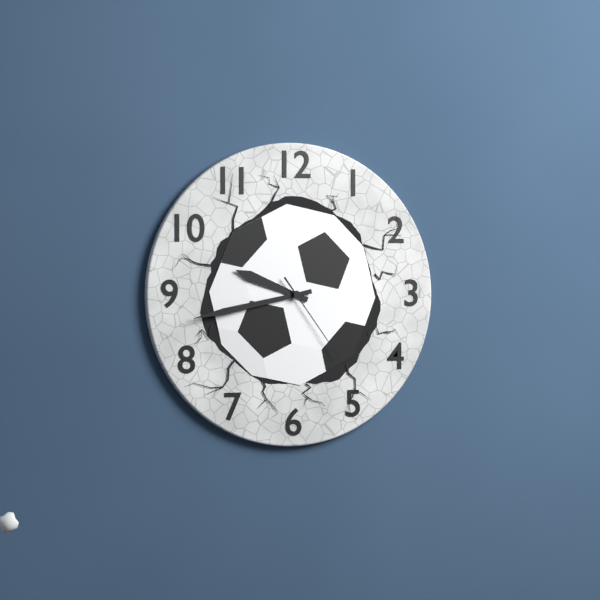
9h43m24s
